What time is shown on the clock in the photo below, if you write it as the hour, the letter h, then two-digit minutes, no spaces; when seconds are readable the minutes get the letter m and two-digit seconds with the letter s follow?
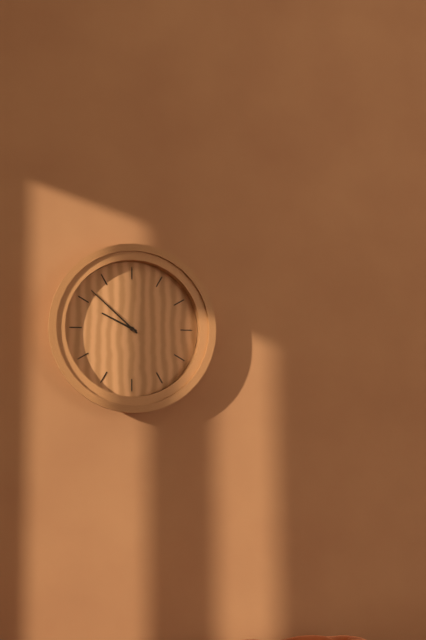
9h52
